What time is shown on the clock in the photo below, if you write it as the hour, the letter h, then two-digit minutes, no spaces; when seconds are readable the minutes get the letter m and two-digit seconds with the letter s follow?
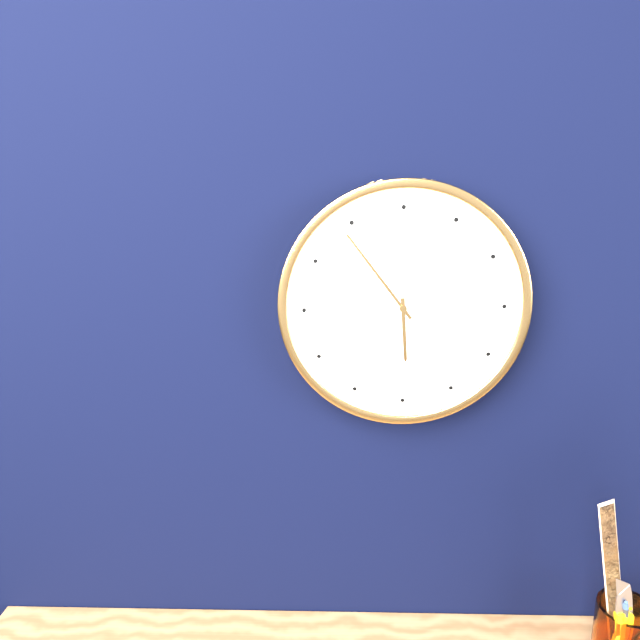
5h54
